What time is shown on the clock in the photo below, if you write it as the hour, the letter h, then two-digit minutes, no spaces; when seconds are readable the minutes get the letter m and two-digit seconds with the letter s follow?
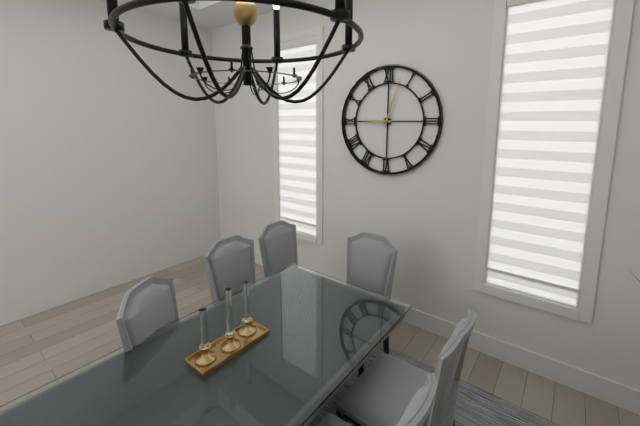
9h03
